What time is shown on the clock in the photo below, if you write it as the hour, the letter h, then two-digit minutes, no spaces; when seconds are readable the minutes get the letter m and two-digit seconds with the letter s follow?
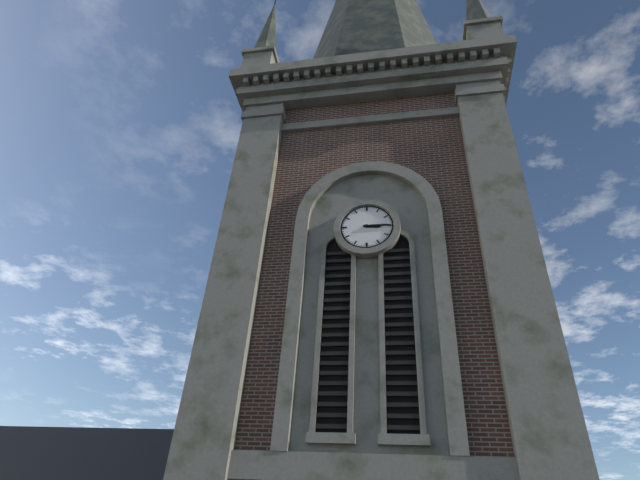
3h15
